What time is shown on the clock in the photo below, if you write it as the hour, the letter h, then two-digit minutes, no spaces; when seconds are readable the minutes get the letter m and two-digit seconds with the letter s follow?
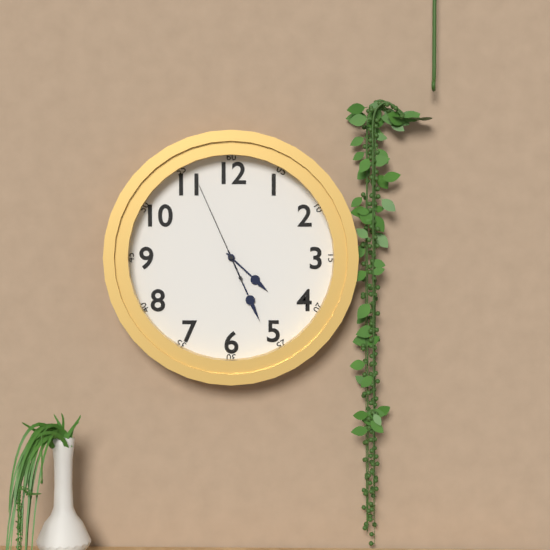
4h26m56s
